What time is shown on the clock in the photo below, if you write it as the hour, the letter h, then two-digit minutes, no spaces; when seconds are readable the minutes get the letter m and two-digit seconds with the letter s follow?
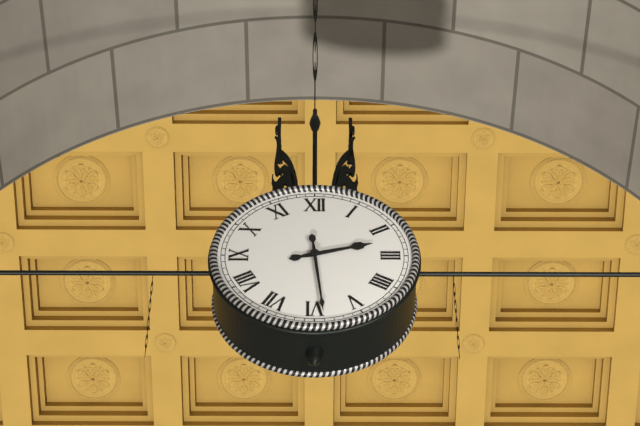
2h29
